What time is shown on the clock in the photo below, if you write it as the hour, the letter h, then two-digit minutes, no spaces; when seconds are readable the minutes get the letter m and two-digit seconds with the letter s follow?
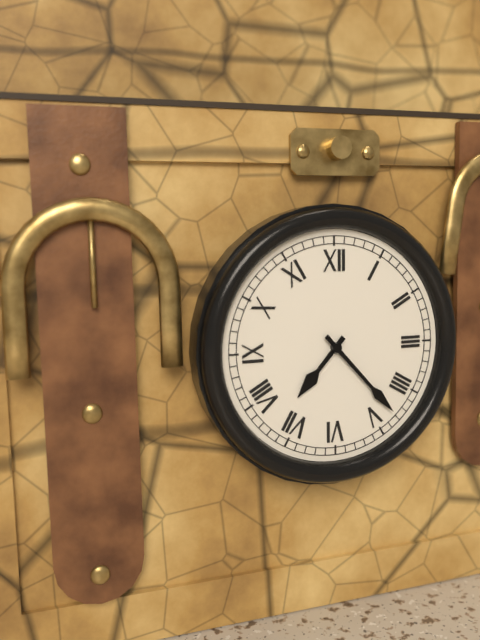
7h23
